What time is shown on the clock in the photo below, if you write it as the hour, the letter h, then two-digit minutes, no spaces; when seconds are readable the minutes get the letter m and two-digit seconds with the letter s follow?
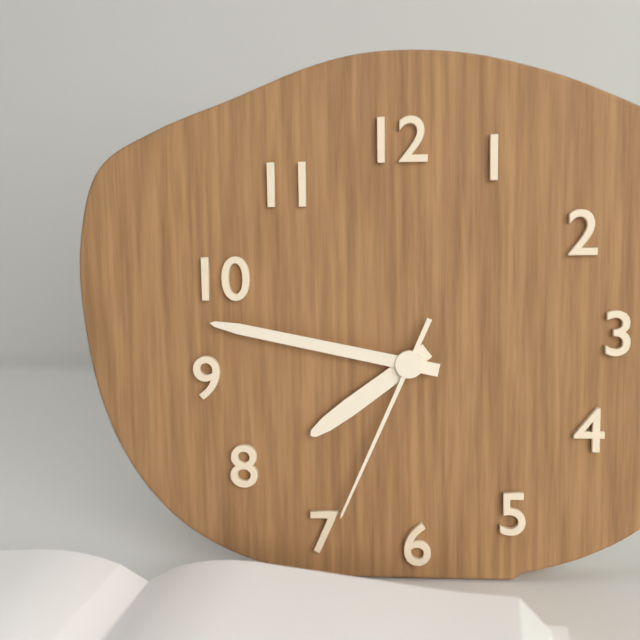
7h47m34s
